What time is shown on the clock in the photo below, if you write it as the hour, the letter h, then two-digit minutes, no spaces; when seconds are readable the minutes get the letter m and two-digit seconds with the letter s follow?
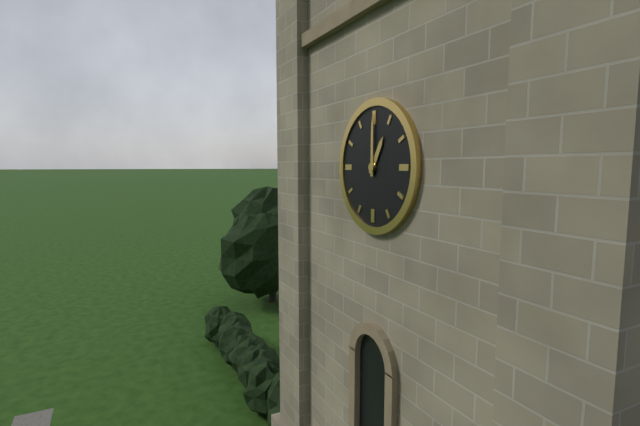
1h00
